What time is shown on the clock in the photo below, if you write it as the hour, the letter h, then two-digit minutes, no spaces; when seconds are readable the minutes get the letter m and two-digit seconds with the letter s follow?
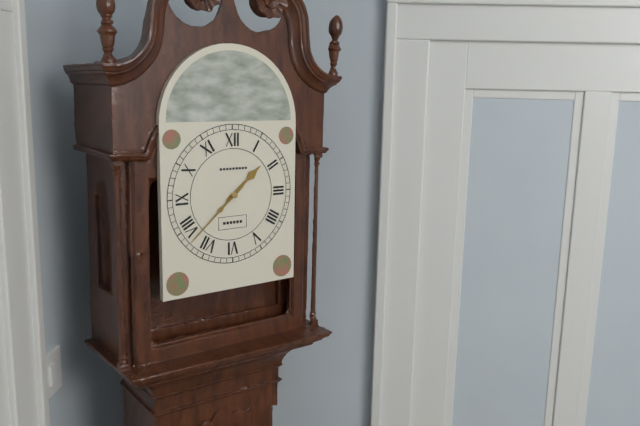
1h38
